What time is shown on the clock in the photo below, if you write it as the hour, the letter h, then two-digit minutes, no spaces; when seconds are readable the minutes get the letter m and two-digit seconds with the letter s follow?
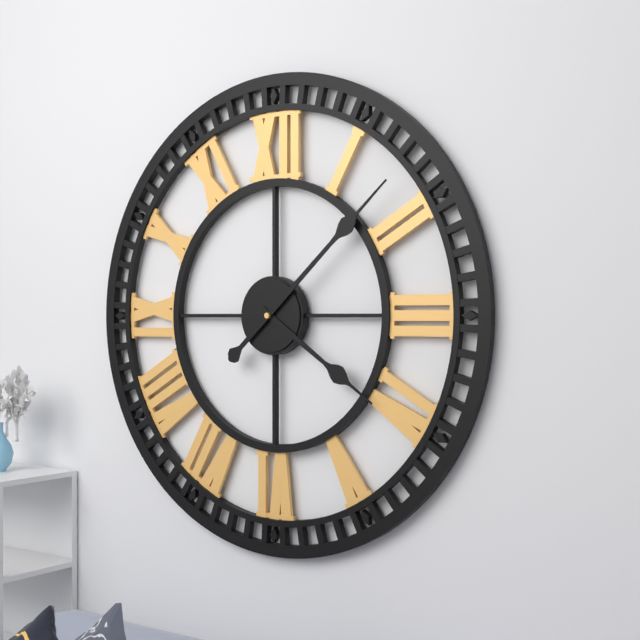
4h08
